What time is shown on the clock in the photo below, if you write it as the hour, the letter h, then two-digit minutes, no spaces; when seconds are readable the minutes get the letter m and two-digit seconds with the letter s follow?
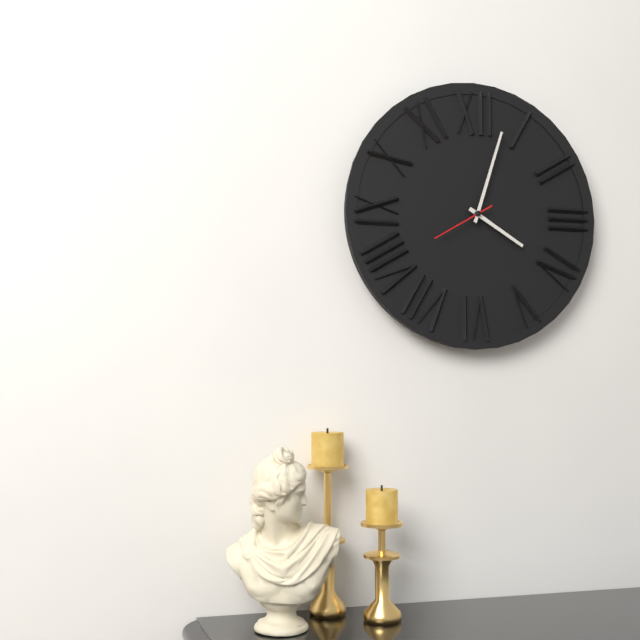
4h03m40s
